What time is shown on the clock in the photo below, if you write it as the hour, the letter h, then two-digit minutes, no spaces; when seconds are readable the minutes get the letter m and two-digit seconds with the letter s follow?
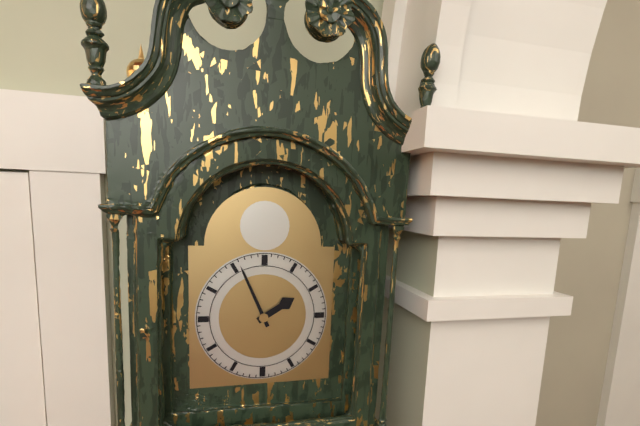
1h56
